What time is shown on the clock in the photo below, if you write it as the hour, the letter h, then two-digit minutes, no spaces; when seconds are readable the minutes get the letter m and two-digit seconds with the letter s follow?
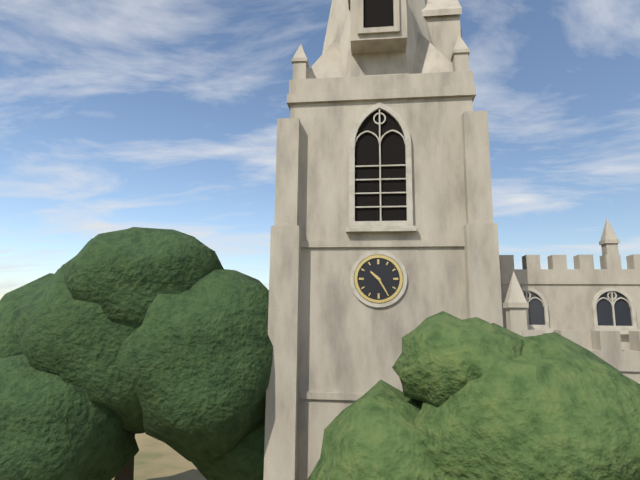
10h25
